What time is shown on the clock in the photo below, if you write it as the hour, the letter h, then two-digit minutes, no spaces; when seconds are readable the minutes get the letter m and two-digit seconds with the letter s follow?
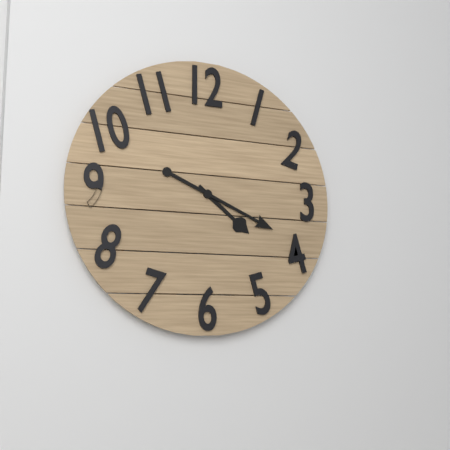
4h19
